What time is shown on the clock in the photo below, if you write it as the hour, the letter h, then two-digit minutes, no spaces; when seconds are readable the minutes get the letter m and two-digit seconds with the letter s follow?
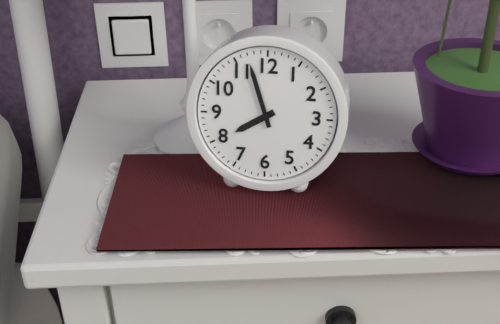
7h57
